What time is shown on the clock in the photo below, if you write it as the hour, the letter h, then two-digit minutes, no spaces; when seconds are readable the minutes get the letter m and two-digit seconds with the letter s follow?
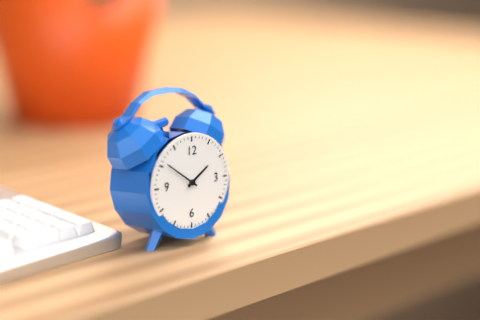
1h51
